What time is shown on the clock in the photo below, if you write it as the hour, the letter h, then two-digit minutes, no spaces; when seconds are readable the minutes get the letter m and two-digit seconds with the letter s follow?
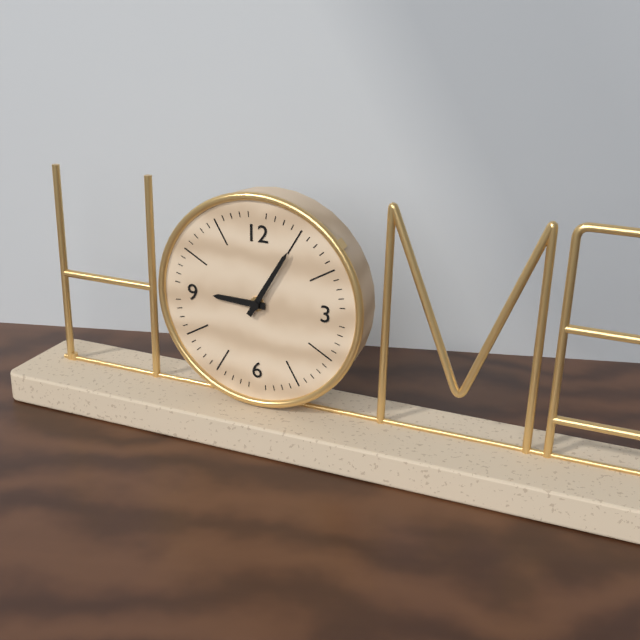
9h05
